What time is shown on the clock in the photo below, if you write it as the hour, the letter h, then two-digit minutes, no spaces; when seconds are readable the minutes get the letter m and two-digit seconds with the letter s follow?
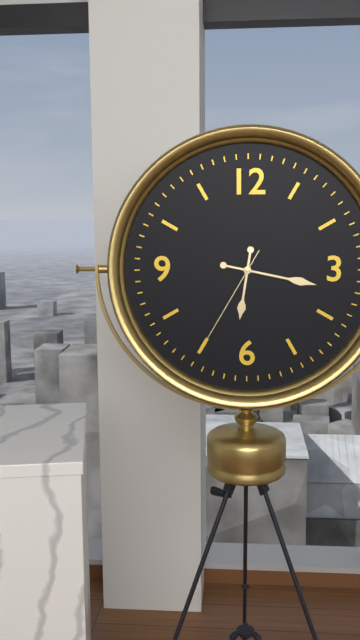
6h17m35s
